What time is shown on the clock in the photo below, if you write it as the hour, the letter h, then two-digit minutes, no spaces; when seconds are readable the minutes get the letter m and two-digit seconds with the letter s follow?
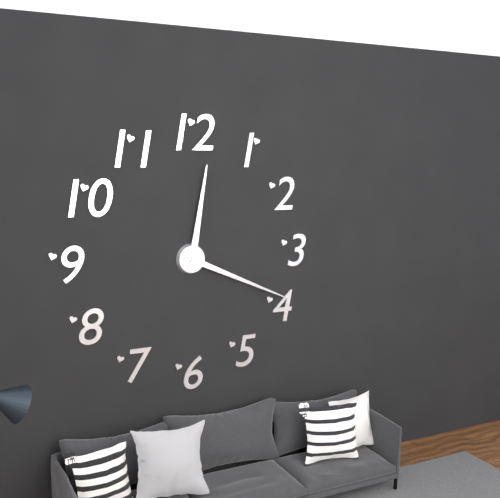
12h19
